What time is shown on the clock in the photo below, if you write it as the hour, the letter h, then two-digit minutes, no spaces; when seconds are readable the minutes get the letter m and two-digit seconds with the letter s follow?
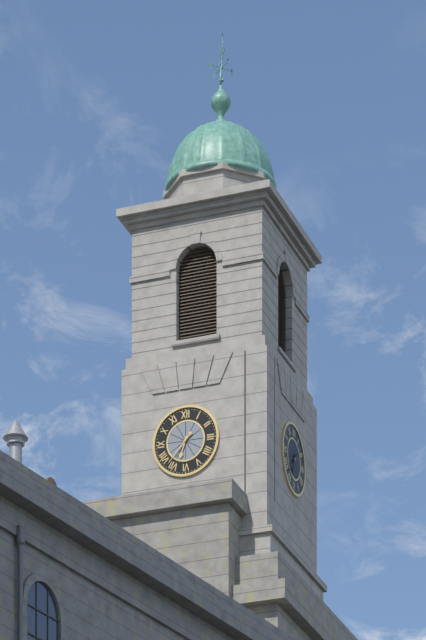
6h37
